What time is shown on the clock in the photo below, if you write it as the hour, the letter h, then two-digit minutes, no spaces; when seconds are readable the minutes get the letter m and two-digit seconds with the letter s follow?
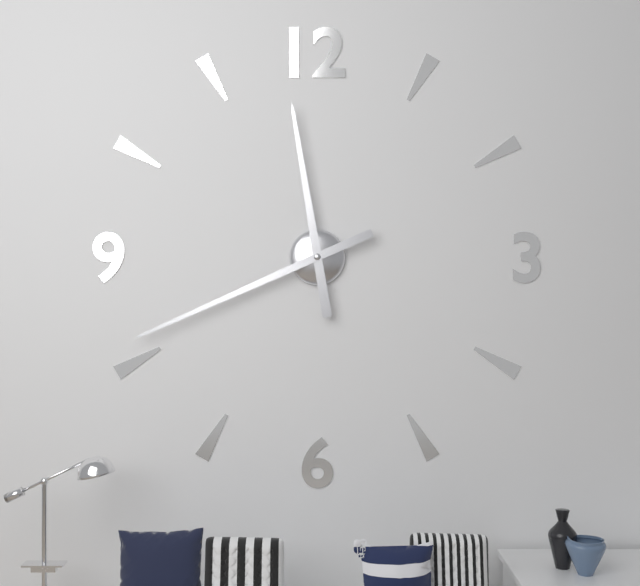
11h41
